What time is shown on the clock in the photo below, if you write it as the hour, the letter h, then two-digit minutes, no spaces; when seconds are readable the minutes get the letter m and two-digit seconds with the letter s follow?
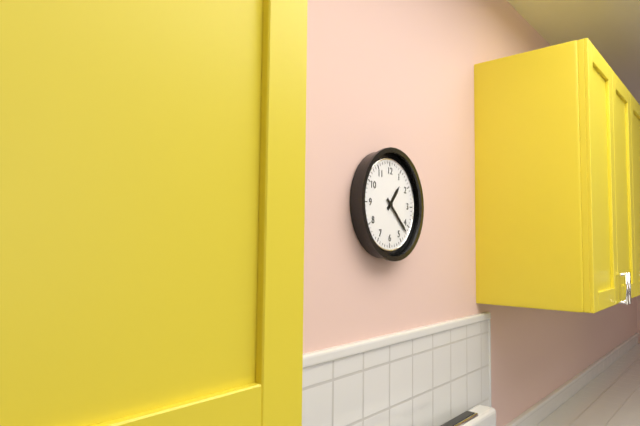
1h22
